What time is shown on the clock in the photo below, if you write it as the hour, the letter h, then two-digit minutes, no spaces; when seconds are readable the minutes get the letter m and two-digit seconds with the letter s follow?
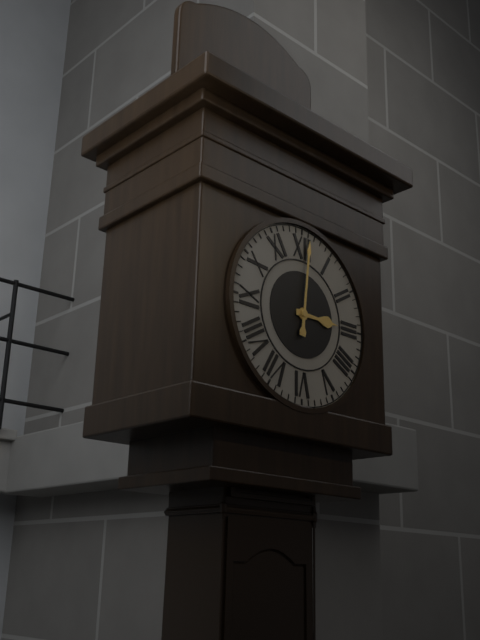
3h01
